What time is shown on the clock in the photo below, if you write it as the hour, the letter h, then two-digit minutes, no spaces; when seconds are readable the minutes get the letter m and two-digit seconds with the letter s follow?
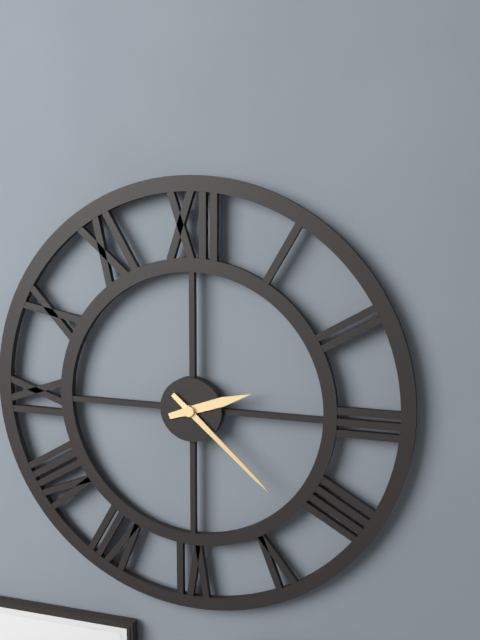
2h22
